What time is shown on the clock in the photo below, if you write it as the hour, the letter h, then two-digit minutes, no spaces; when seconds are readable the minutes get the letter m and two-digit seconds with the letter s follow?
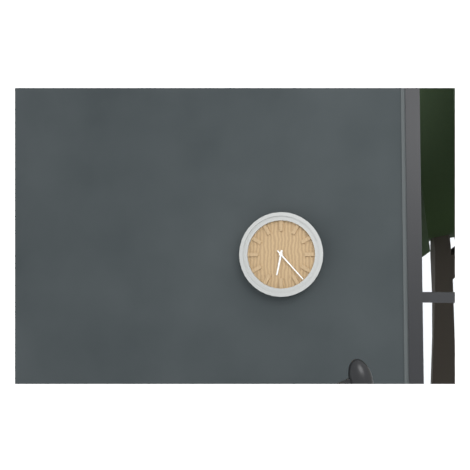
6h23
